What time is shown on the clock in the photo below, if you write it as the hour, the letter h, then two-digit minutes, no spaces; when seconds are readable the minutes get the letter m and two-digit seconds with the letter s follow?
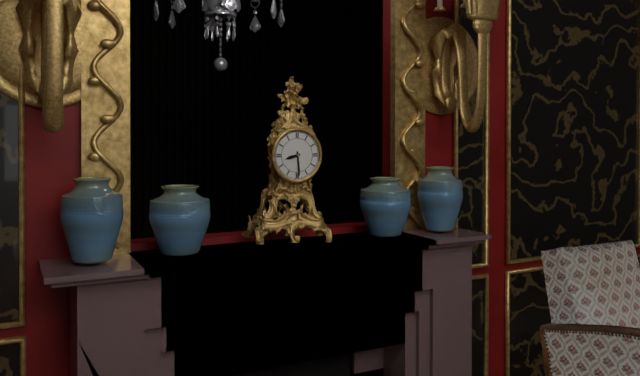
8h29
